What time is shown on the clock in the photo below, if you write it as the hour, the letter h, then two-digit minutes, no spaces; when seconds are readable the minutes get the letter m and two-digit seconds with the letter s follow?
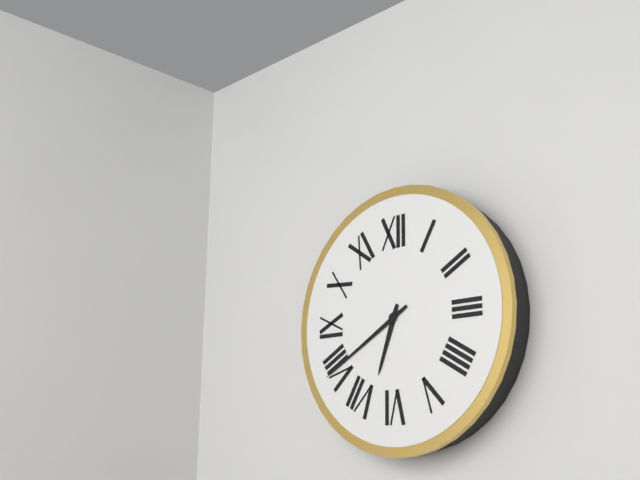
6h40
